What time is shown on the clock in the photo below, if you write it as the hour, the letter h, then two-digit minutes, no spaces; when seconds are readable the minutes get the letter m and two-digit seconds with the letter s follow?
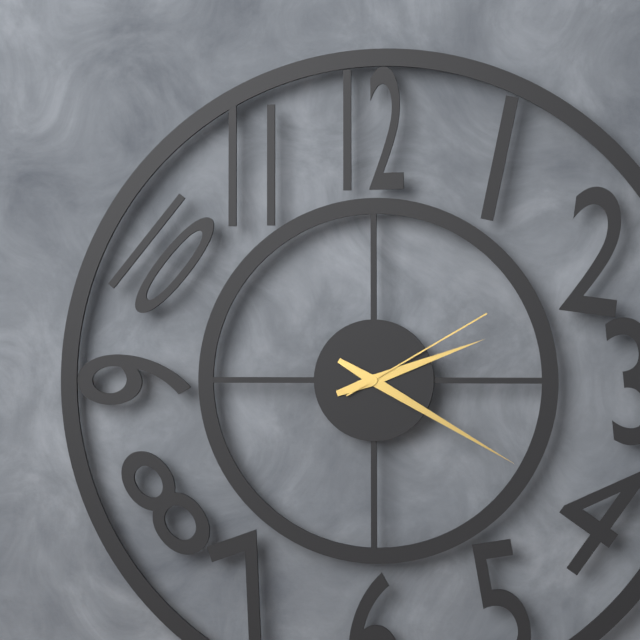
2h20m10s
